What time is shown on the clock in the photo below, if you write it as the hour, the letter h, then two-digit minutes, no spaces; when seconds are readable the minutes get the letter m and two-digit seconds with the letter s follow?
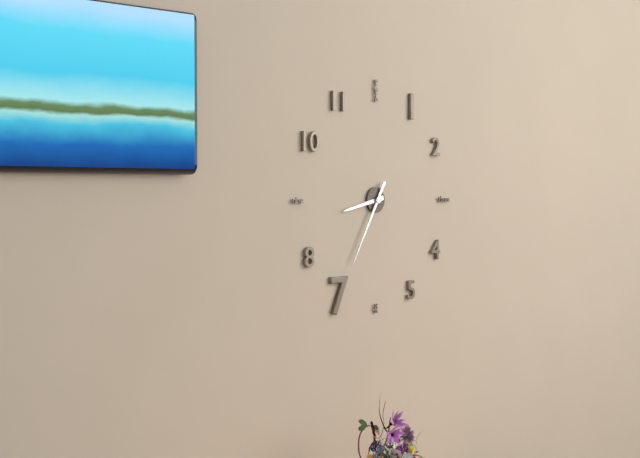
8h35
